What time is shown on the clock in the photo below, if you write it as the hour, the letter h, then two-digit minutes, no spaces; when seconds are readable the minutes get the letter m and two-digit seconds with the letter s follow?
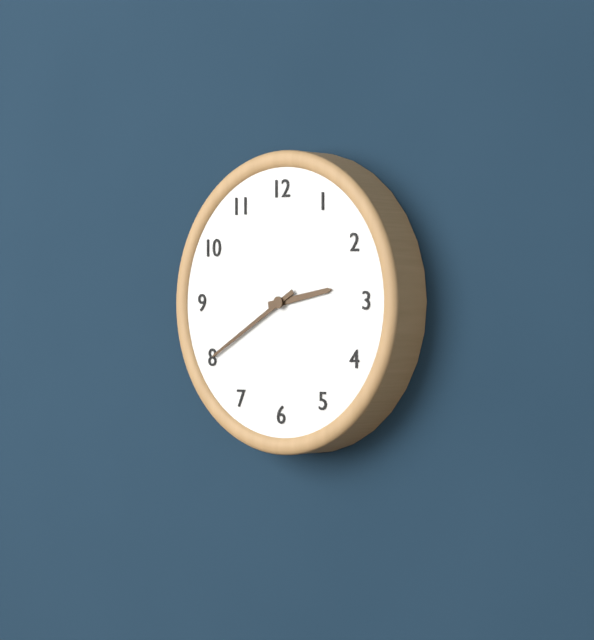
2h40
